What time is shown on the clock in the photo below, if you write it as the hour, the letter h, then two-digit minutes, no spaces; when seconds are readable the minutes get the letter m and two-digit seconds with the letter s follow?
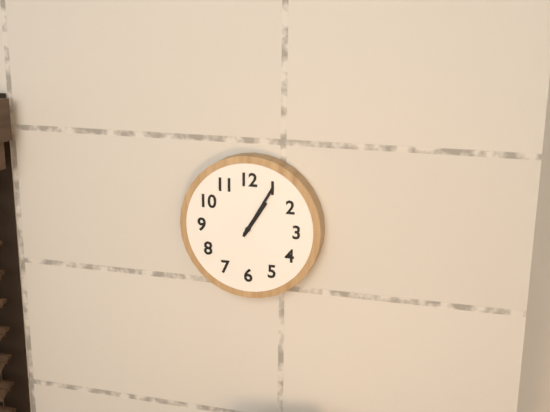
1h05
